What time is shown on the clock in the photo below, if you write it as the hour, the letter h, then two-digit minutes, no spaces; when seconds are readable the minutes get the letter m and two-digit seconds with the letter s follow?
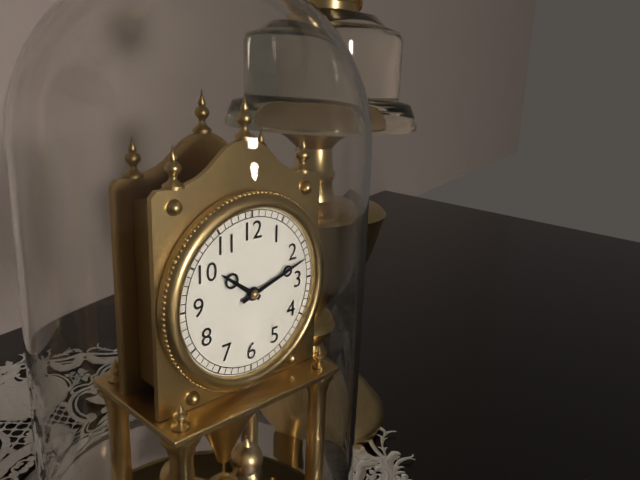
10h12
